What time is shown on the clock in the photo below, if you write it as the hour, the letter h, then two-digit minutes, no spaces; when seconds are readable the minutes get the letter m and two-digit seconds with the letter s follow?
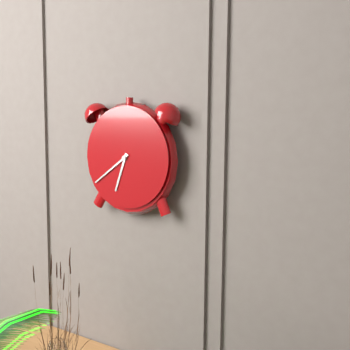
6h39
